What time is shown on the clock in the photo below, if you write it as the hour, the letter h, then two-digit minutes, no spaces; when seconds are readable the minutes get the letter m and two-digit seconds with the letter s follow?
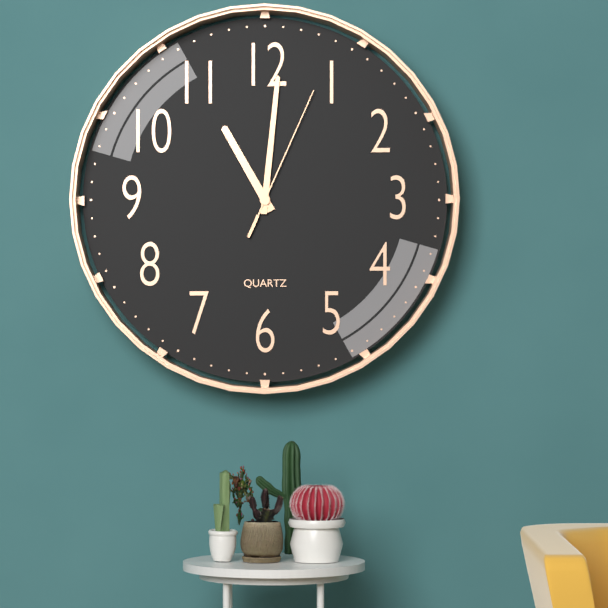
11h01m04s
